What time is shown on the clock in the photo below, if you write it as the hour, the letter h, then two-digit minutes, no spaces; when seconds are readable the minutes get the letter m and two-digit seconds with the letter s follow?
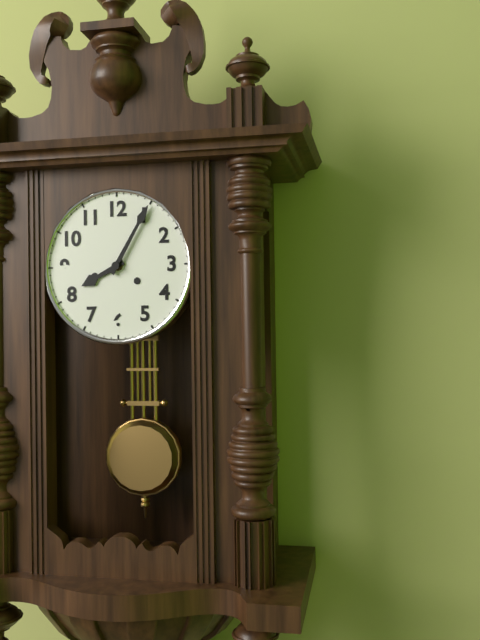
8h05
